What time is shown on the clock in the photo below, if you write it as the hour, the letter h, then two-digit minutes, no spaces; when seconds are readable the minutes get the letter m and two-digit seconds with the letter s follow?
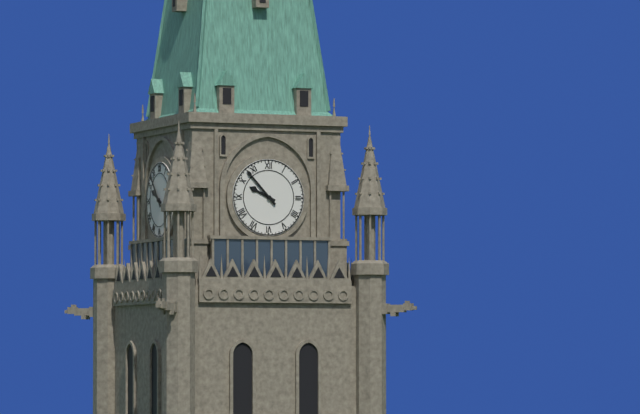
9h53
